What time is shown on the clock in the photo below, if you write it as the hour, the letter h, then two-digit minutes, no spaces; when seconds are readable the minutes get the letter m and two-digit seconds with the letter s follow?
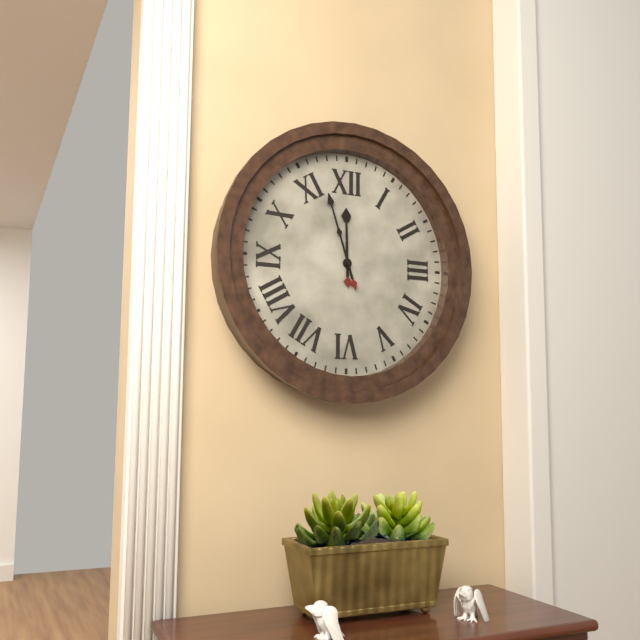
11h57
